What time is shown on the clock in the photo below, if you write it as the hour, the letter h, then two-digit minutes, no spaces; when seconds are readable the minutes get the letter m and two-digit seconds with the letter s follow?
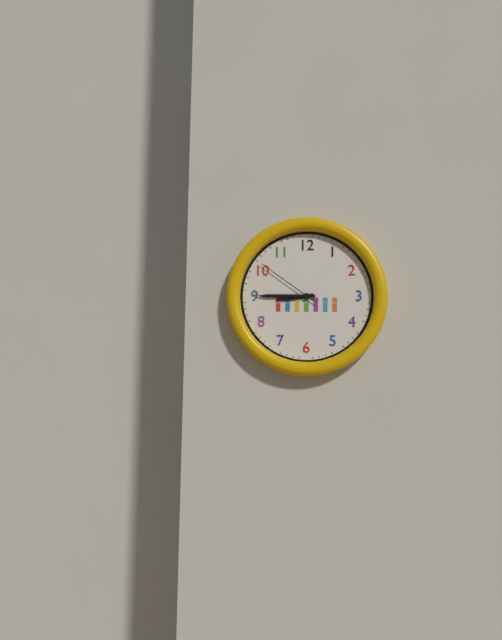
8h45m51s
